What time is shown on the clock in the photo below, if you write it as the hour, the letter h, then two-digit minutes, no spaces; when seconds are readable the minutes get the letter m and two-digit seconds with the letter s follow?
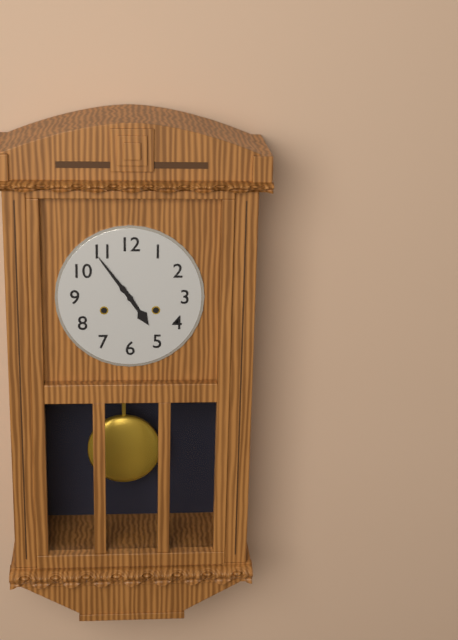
4h54
